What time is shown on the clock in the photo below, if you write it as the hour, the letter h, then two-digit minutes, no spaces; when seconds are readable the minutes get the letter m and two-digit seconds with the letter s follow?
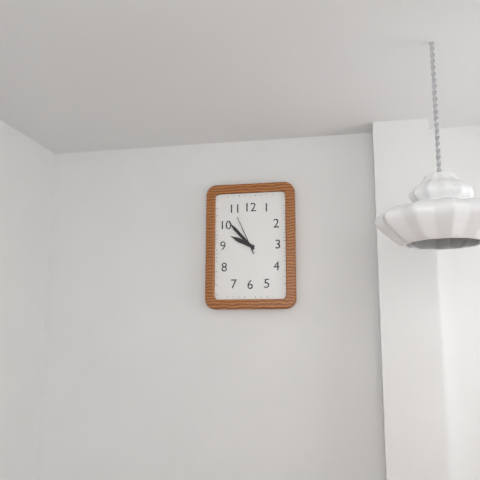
9h53
